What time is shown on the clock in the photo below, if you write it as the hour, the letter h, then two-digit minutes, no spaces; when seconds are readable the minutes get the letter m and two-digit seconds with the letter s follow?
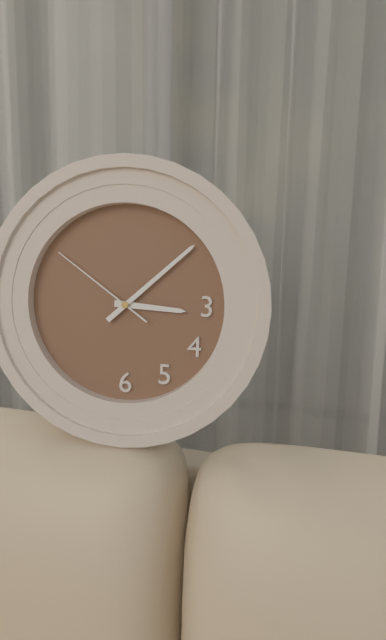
3h08m51s
